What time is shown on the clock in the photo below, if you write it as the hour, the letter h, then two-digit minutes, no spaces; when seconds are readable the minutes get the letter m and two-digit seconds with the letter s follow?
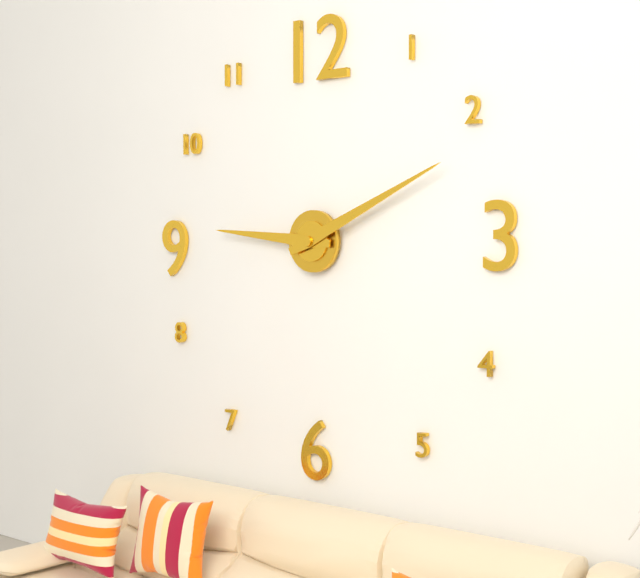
9h11
